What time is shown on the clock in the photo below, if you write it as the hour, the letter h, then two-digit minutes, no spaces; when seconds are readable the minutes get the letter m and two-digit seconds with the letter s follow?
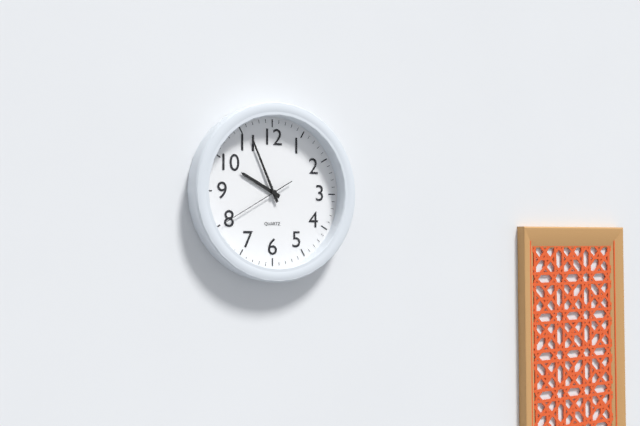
9h56m40s
